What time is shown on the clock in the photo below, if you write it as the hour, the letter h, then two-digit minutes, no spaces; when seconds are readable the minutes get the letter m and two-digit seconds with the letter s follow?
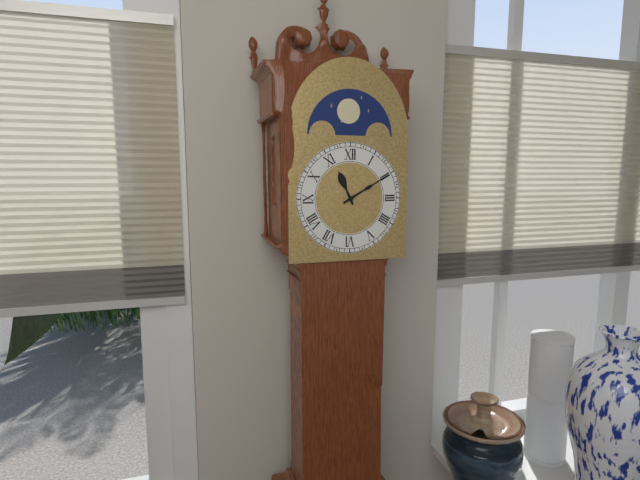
11h10
